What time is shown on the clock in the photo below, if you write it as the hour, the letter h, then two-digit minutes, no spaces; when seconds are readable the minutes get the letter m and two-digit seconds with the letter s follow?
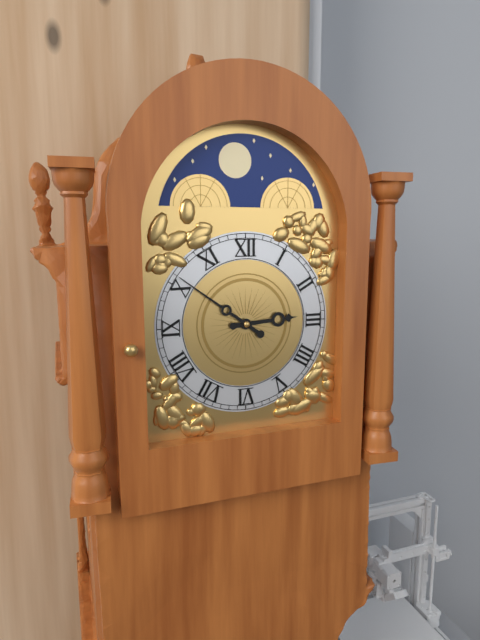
2h51
